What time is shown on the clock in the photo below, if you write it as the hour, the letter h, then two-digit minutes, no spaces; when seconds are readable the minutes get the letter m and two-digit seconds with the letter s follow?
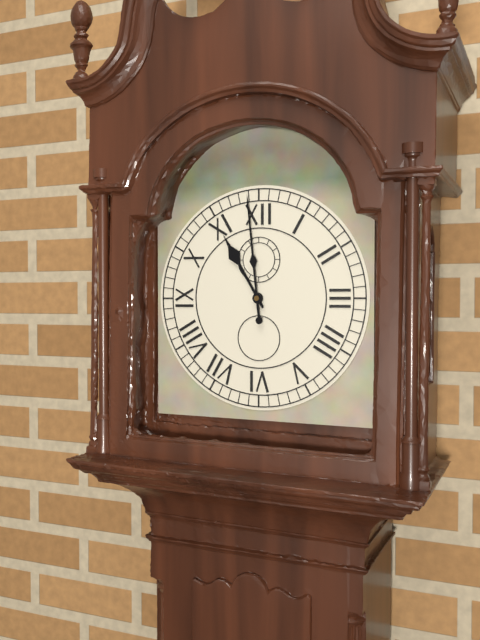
10h59
